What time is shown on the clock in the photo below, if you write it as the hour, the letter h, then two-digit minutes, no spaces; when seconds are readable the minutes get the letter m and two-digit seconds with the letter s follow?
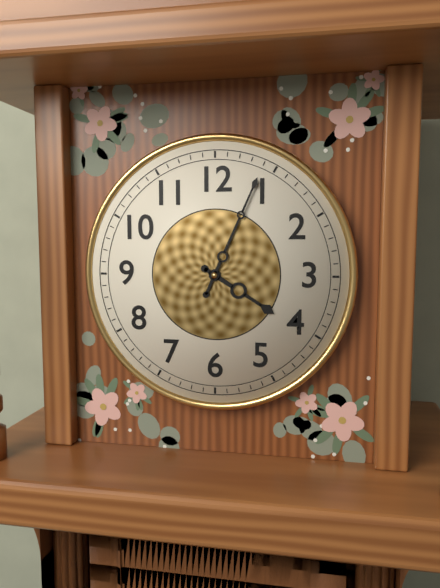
4h04
